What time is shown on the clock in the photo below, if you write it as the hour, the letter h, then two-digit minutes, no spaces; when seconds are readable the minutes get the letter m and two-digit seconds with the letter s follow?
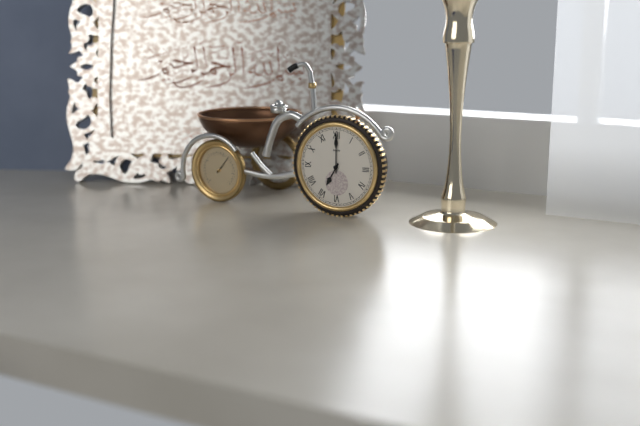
7h00
